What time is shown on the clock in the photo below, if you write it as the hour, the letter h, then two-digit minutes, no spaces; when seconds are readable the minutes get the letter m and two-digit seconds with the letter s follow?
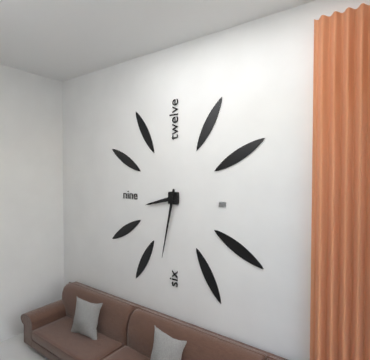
8h32
